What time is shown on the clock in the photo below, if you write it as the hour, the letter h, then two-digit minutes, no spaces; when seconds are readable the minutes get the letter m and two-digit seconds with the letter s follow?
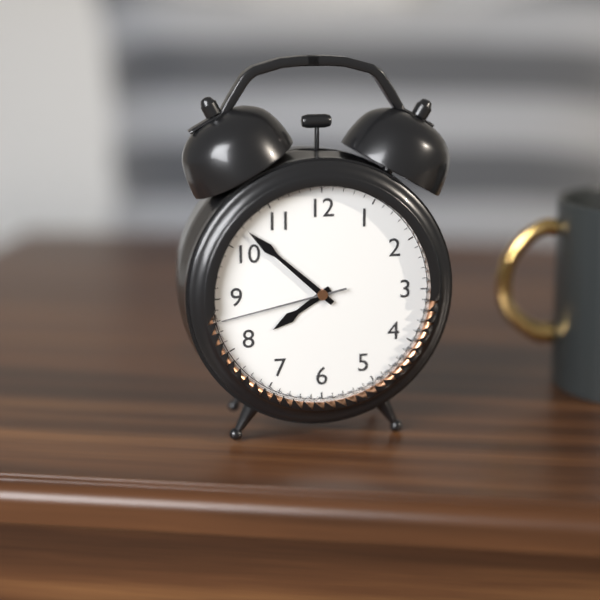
7h52m43s
